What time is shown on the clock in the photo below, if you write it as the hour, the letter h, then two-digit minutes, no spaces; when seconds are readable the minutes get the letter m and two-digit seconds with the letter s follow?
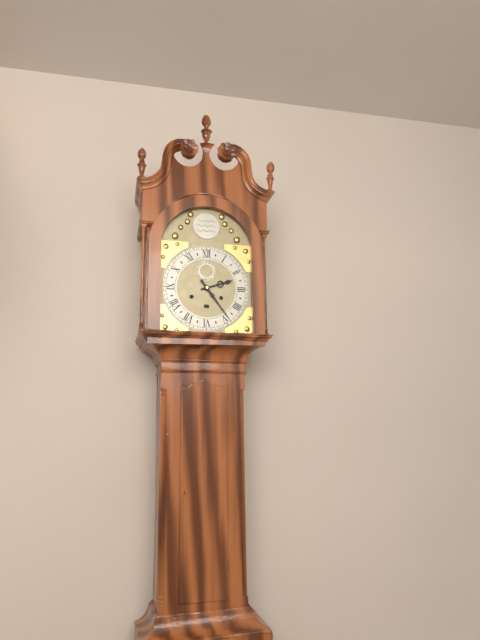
2h24
